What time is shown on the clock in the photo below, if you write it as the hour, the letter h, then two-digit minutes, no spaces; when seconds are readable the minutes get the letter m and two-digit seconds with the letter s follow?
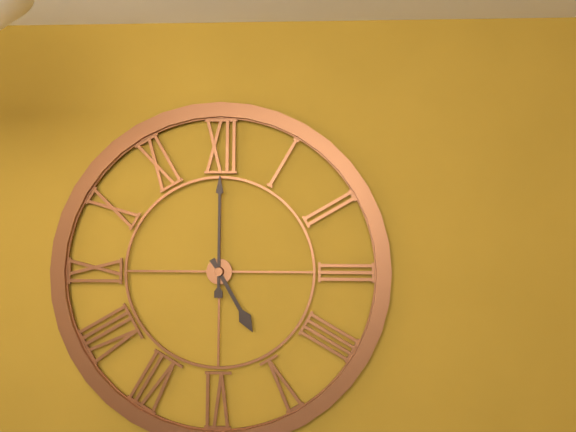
5h00
